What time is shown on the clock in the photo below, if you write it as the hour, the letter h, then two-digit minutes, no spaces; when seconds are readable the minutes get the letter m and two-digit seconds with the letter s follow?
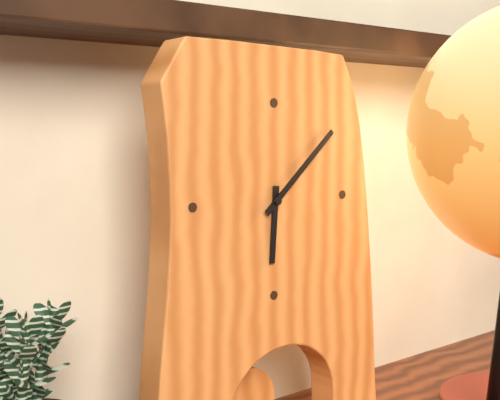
6h08
